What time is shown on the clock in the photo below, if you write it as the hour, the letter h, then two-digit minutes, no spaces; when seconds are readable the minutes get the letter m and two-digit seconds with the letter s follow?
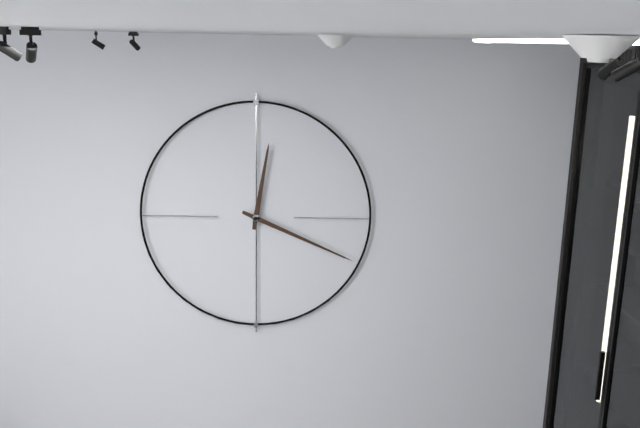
12h19
